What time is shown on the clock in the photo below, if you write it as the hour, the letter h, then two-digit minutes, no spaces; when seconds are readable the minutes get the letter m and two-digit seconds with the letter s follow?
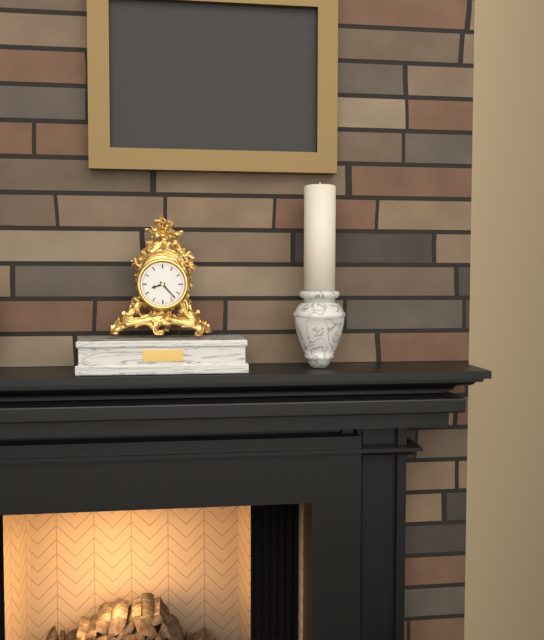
8h23
